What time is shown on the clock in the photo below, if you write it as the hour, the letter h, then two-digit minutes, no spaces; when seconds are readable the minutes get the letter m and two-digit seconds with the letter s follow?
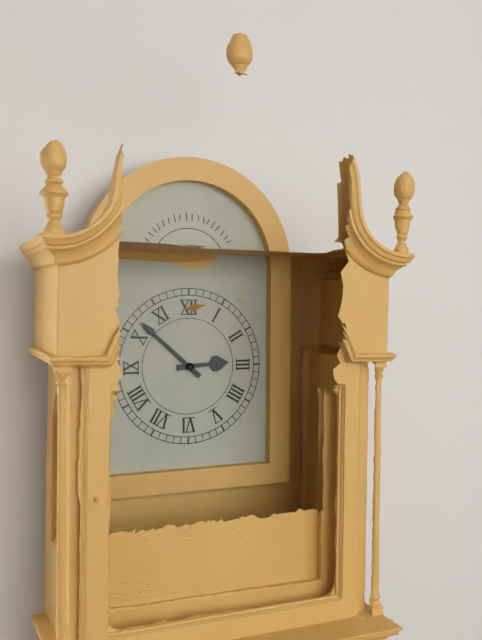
2h52
